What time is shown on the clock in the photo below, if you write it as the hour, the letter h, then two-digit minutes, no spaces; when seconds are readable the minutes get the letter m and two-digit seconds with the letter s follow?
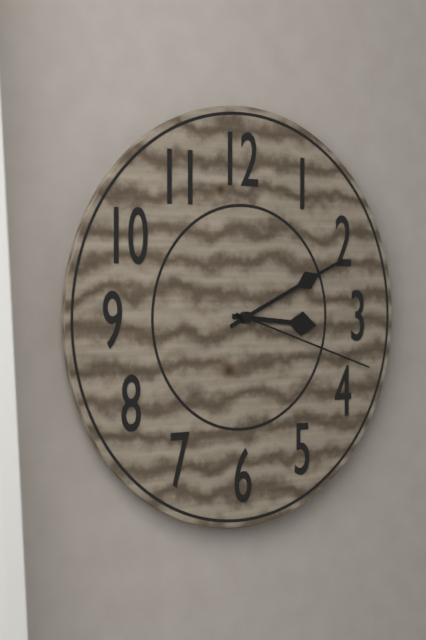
3h11m18s
